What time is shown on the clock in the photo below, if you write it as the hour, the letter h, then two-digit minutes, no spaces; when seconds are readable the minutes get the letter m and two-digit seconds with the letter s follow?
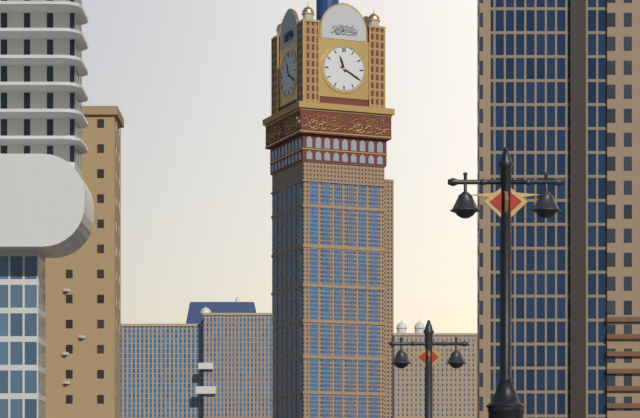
11h20
